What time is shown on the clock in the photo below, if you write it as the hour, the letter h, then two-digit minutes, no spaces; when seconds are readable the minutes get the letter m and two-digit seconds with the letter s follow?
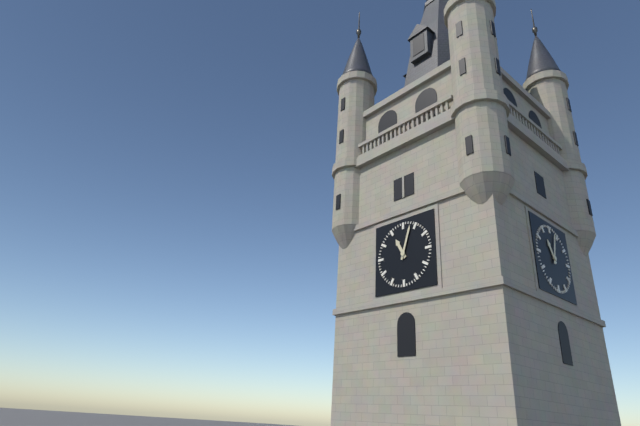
11h03
